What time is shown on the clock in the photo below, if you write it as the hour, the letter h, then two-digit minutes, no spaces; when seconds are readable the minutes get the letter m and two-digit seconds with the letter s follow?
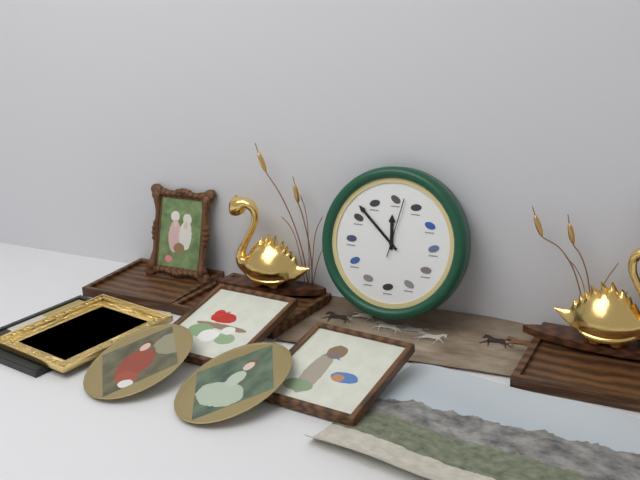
11h52m02s
